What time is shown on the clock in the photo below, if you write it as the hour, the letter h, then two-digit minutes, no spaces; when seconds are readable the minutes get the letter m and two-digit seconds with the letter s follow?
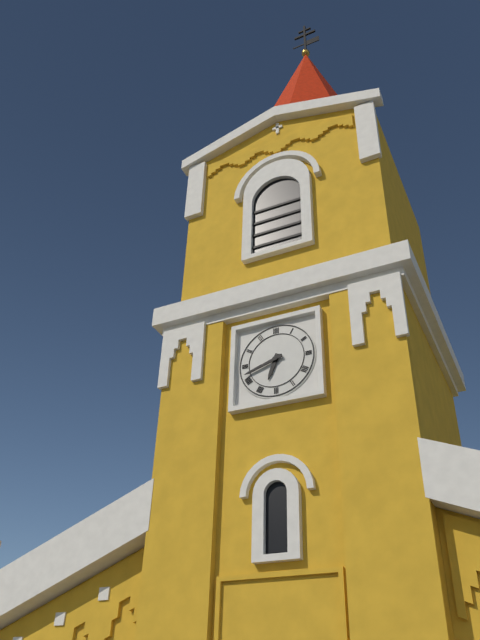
6h42
